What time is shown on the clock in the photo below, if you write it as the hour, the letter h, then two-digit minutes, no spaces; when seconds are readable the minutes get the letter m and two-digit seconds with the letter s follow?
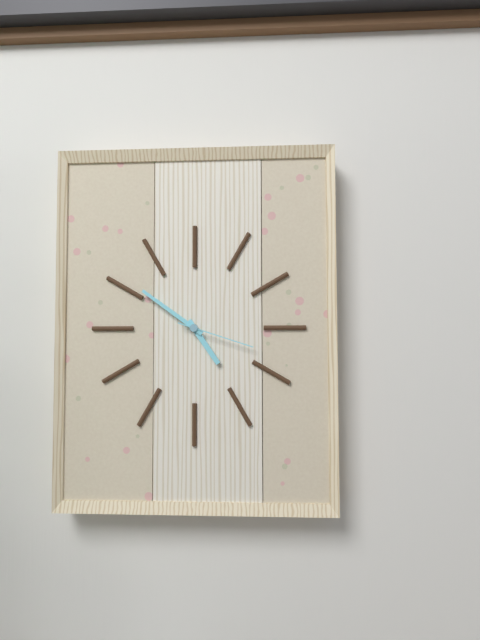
4h51m18s
